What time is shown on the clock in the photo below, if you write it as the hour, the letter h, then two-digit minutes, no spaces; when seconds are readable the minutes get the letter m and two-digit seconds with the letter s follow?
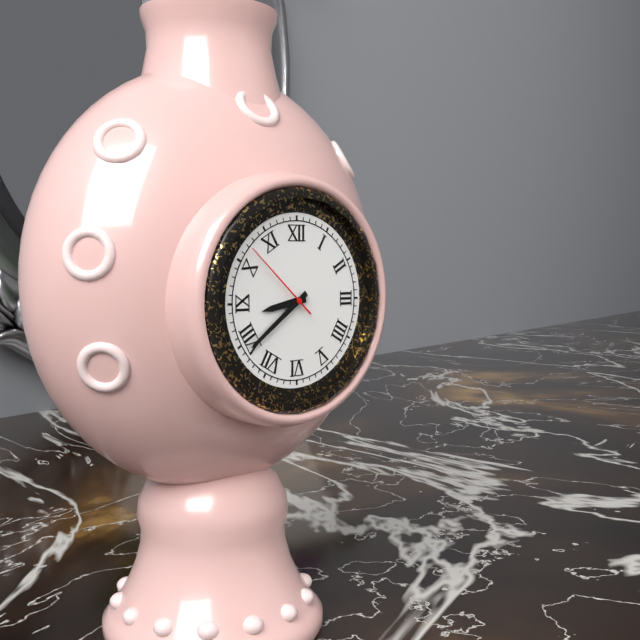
8h39m52s
